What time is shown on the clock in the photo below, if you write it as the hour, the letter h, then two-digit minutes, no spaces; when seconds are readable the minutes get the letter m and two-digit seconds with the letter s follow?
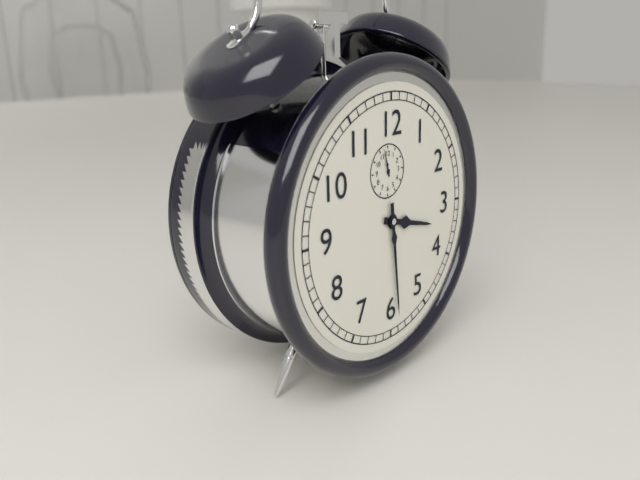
3h29
